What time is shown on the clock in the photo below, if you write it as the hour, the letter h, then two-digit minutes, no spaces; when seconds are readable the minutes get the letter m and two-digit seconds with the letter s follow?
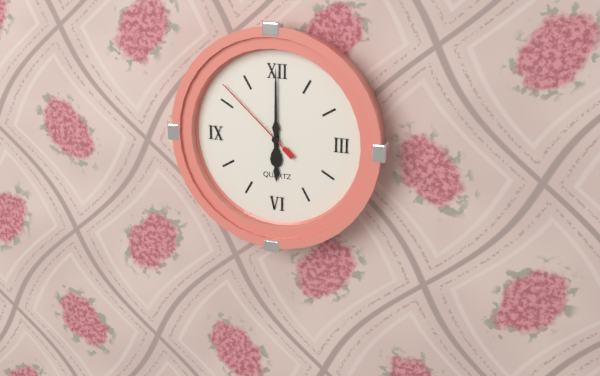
6h00m52s
